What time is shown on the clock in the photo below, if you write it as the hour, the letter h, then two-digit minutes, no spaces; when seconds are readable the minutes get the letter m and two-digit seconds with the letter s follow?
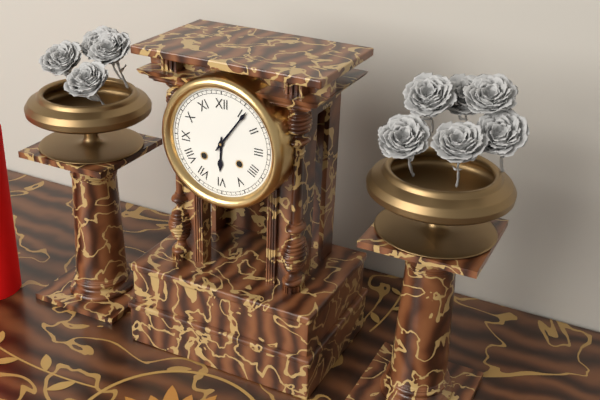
6h06
